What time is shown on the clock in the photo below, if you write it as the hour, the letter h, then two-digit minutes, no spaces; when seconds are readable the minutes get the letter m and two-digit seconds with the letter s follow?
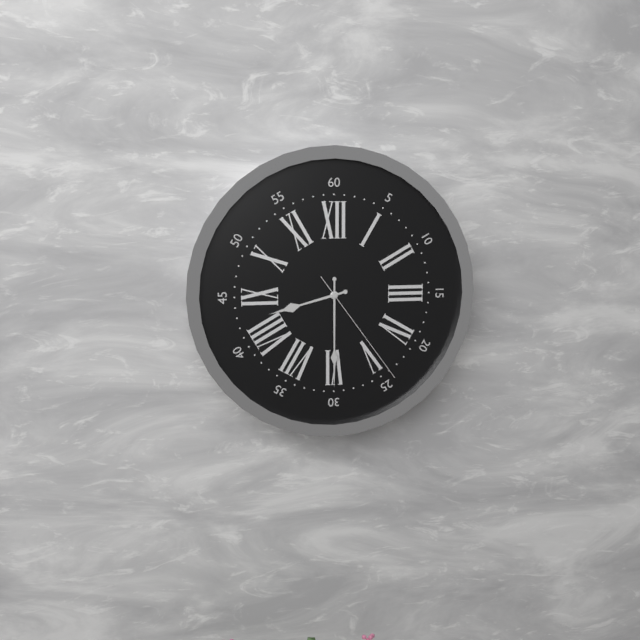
8h30m24s
